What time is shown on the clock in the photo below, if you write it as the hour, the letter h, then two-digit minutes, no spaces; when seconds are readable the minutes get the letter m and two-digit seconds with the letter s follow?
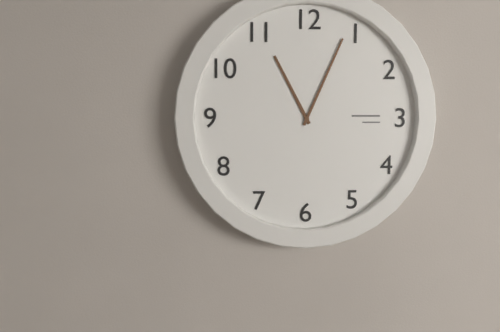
11h04
